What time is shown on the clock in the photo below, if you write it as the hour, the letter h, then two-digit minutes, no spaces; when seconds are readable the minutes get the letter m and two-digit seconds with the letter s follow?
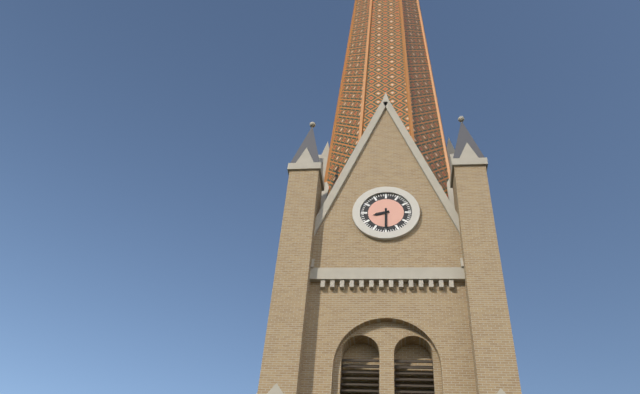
8h30
